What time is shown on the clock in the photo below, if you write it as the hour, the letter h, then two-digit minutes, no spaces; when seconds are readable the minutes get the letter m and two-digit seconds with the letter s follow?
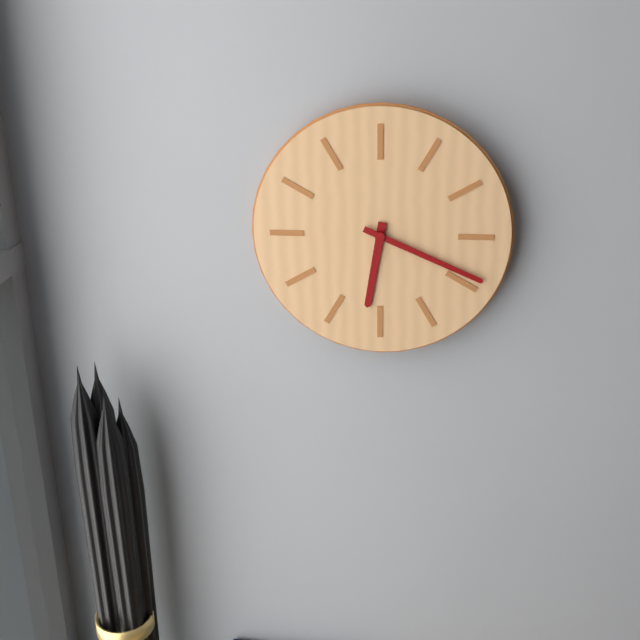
6h19
